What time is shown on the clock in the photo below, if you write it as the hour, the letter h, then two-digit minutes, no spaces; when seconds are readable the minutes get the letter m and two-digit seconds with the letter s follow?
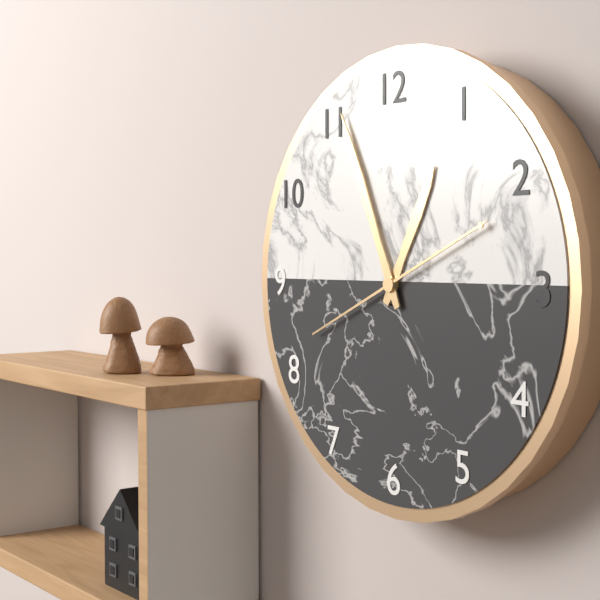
12h56m11s
